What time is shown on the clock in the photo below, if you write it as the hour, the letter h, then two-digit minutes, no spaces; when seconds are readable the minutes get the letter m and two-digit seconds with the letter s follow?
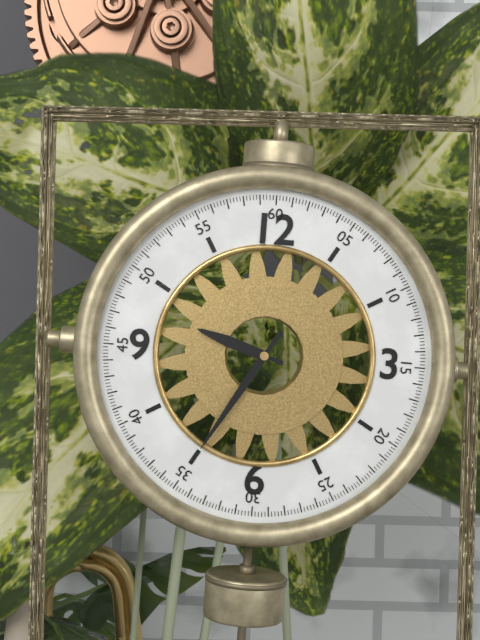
9h35
